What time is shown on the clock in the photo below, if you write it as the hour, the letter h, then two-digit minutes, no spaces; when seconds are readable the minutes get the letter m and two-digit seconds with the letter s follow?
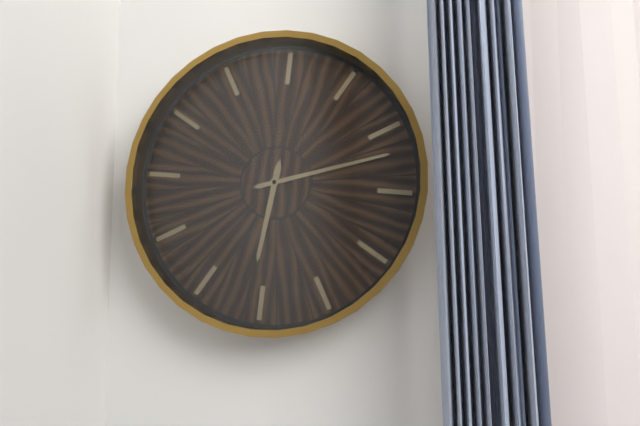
6h12
